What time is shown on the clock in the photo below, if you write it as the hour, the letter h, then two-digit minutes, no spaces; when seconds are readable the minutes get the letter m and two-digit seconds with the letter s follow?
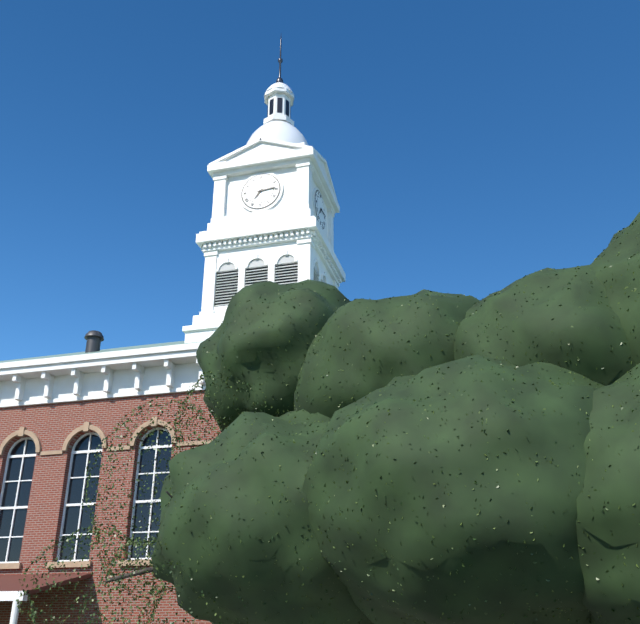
7h14
